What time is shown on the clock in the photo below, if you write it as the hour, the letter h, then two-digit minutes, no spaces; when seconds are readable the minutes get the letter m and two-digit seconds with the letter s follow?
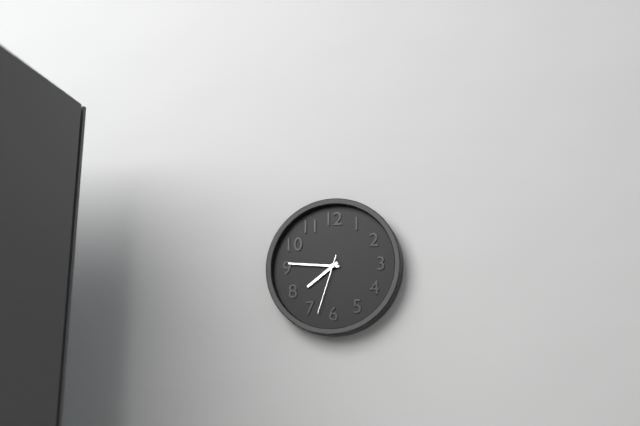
7h46m33s
